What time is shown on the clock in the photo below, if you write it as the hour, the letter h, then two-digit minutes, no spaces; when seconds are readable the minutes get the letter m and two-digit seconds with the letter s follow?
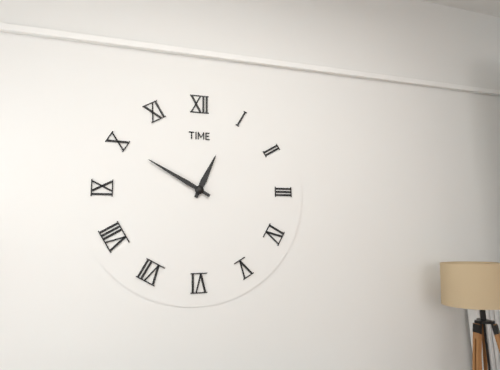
12h50
